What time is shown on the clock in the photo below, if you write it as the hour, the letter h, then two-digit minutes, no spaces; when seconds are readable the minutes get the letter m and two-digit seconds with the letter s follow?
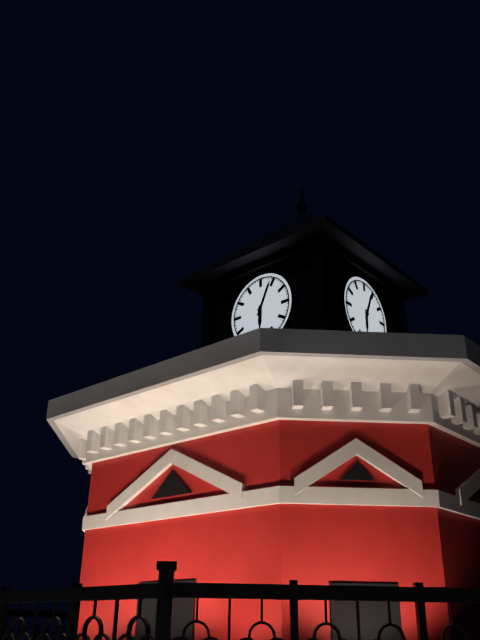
6h04
